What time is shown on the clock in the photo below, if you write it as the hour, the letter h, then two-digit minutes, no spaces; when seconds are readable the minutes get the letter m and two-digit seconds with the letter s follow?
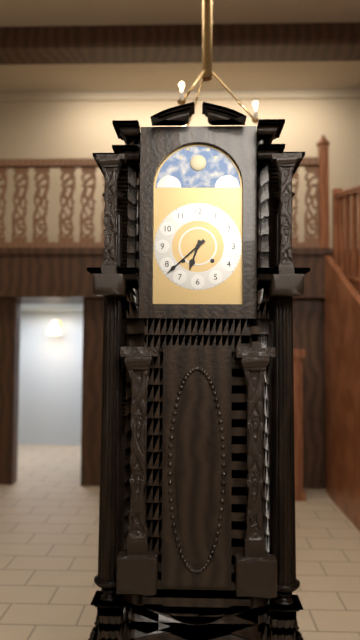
6h38
